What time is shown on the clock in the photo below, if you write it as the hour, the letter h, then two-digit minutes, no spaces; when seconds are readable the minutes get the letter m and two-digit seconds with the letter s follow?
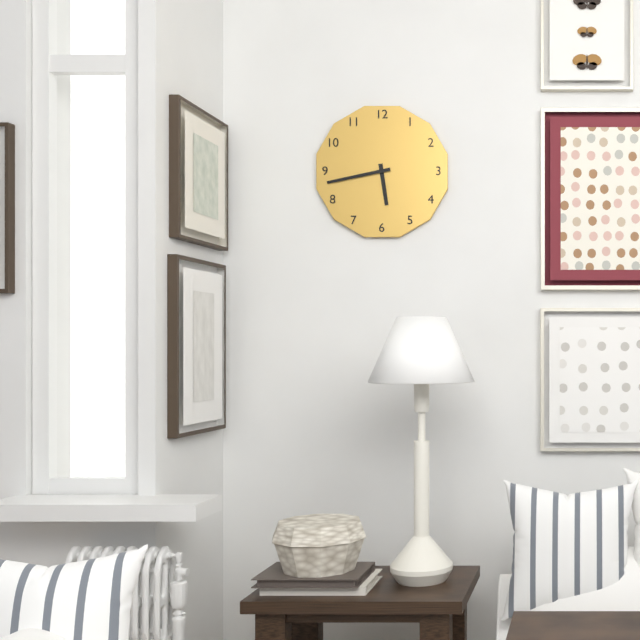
5h43
